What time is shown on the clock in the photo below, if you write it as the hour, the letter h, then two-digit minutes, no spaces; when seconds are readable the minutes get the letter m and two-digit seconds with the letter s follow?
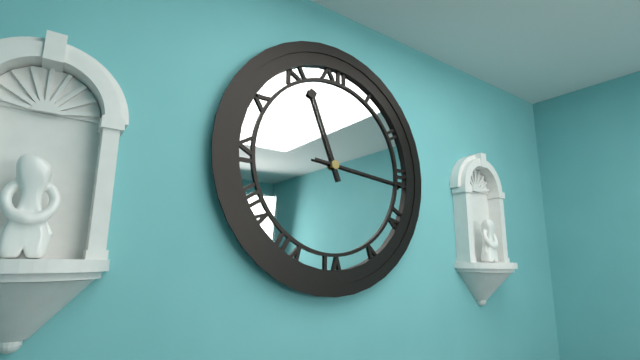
11h16
